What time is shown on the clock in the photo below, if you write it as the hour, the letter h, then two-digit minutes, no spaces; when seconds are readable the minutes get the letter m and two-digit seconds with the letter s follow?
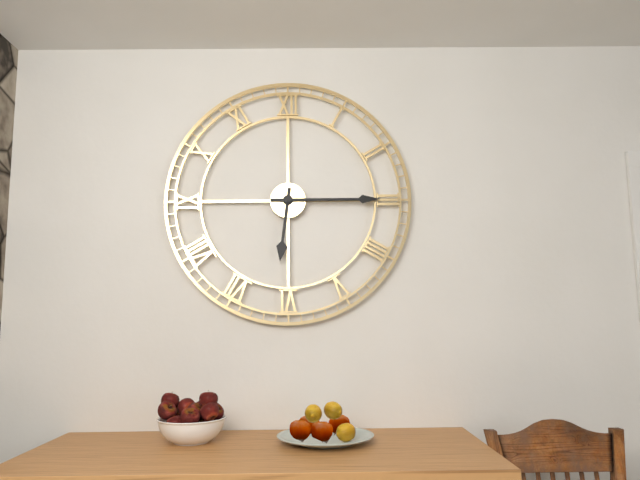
6h15
